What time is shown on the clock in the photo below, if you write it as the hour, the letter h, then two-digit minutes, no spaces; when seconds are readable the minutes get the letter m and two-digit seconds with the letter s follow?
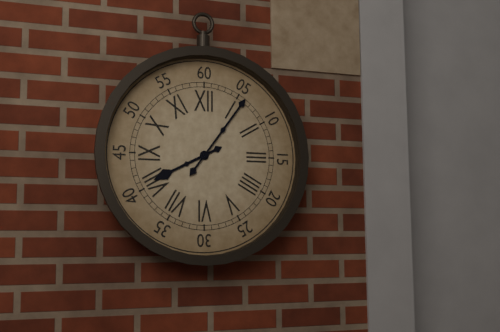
8h06
